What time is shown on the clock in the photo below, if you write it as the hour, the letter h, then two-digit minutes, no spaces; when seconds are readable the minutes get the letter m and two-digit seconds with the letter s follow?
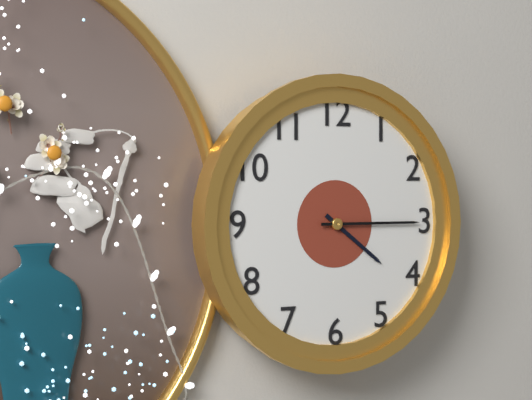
4h15
